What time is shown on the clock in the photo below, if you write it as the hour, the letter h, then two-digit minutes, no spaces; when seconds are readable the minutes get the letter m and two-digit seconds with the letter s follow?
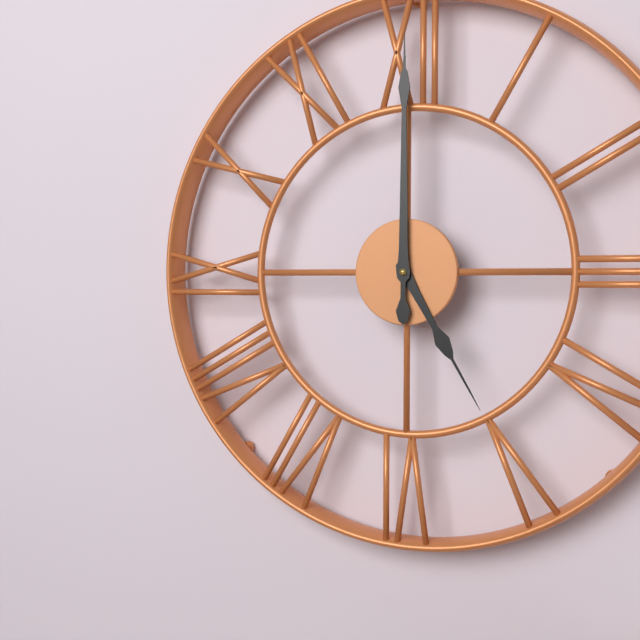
5h00
